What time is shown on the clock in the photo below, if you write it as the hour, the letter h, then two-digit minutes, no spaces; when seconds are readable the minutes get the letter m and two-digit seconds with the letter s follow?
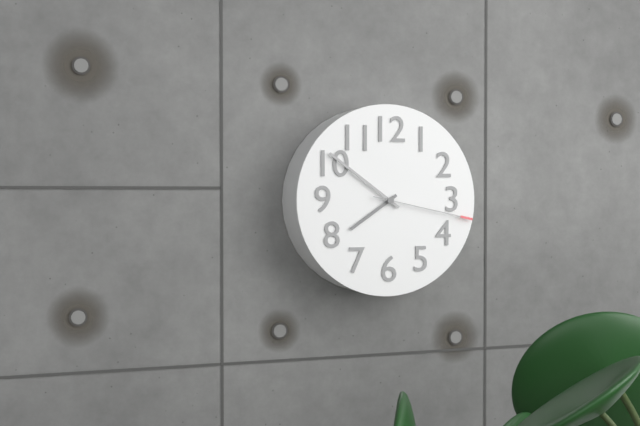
7h51m17s
